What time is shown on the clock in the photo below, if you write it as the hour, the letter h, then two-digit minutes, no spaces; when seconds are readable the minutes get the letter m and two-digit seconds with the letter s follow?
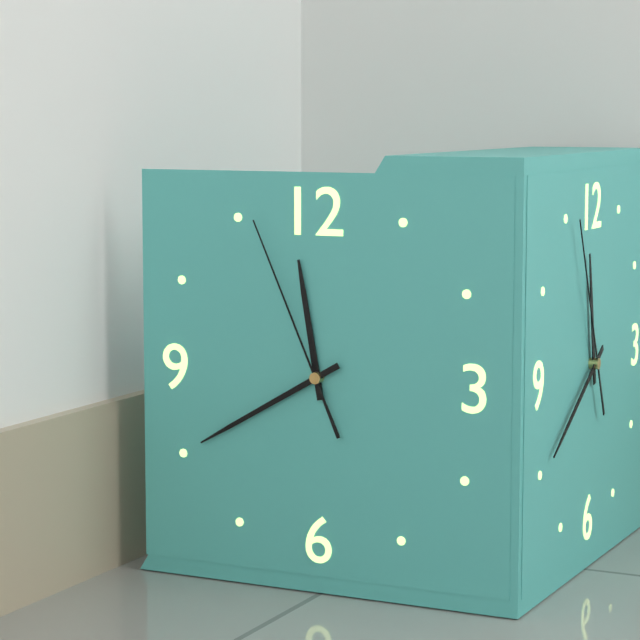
11h40m56s
